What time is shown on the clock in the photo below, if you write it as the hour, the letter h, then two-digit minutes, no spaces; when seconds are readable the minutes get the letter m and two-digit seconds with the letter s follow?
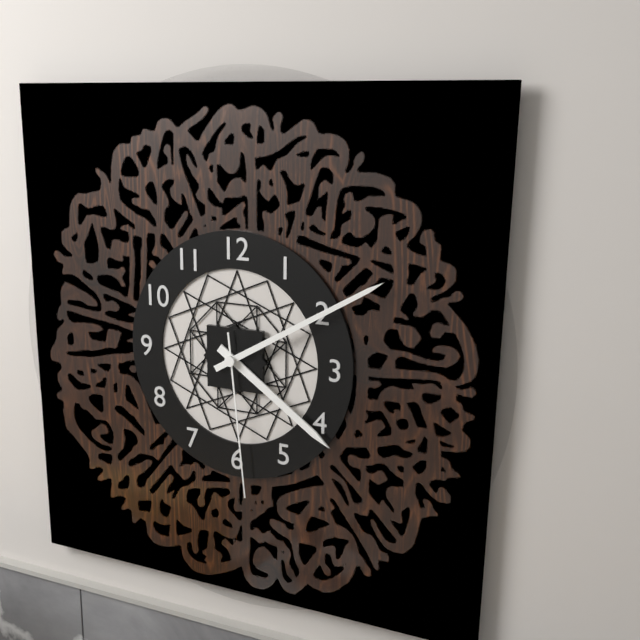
4h10m29s
